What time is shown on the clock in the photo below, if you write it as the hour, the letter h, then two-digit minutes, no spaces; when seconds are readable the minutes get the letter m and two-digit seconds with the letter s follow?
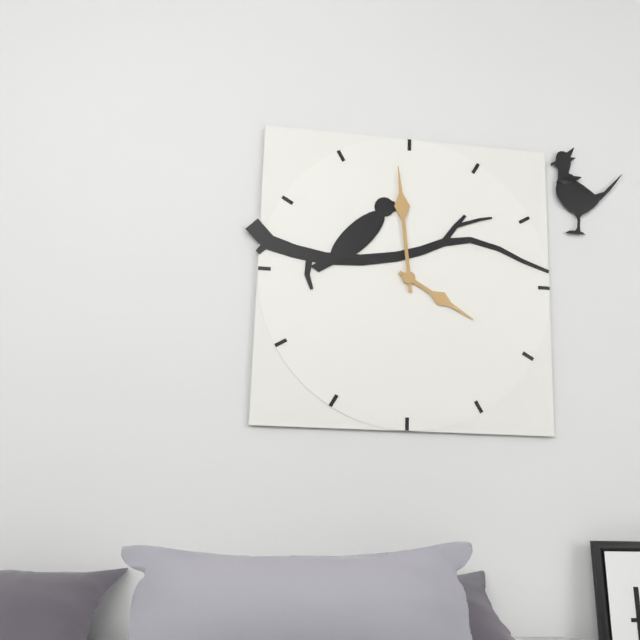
3h59
